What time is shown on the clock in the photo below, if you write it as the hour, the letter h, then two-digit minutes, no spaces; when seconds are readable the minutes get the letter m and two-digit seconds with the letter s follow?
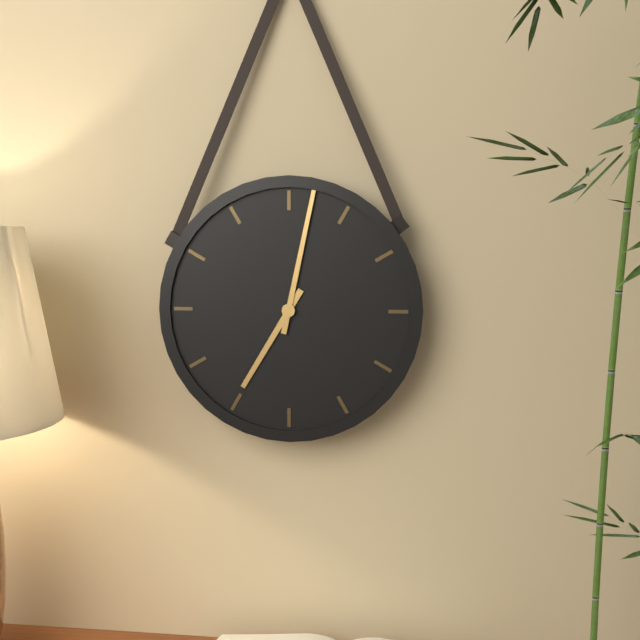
7h02
